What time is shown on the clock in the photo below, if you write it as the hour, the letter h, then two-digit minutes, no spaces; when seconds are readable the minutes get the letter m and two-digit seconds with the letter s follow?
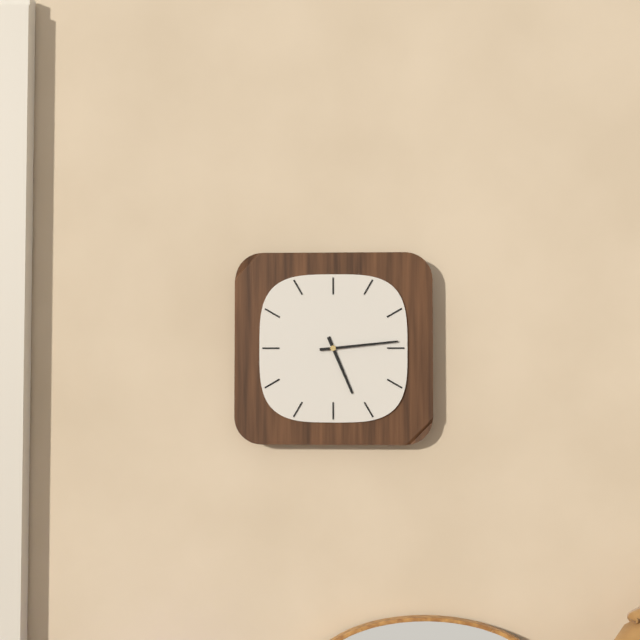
5h14
